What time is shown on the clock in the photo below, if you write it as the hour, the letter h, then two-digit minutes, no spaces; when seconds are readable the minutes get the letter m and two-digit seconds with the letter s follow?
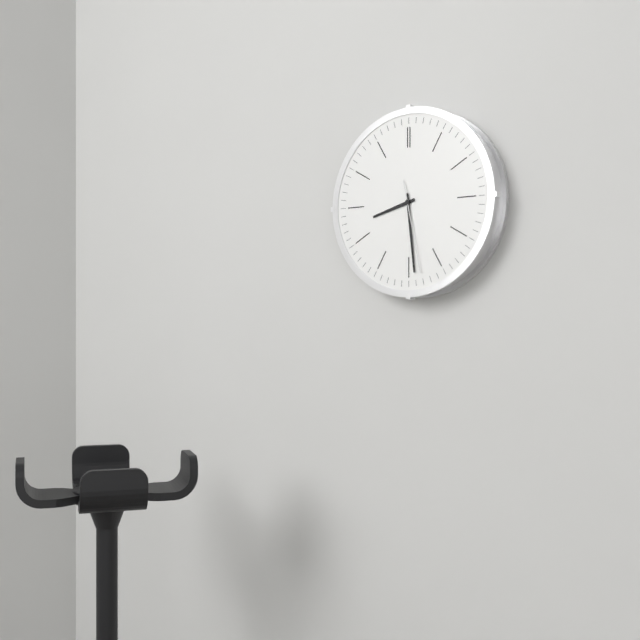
8h29m28s
